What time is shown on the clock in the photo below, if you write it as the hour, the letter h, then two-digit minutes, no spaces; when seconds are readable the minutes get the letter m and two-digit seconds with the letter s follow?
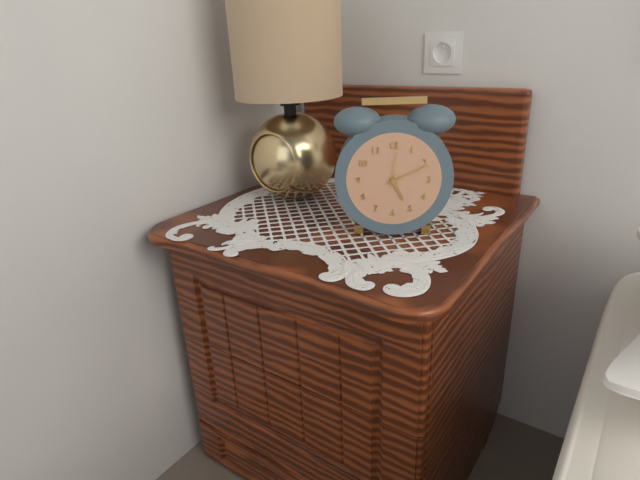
5h11m01s
